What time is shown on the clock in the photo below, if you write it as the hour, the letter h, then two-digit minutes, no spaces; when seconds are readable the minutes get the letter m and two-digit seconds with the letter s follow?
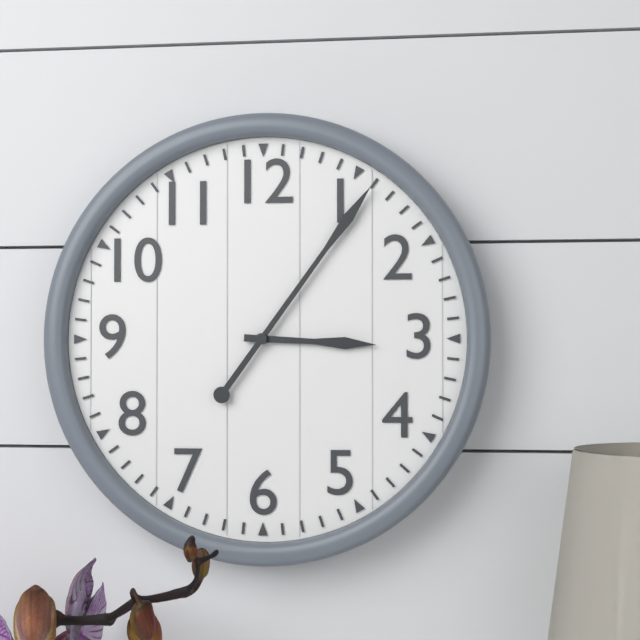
3h06
